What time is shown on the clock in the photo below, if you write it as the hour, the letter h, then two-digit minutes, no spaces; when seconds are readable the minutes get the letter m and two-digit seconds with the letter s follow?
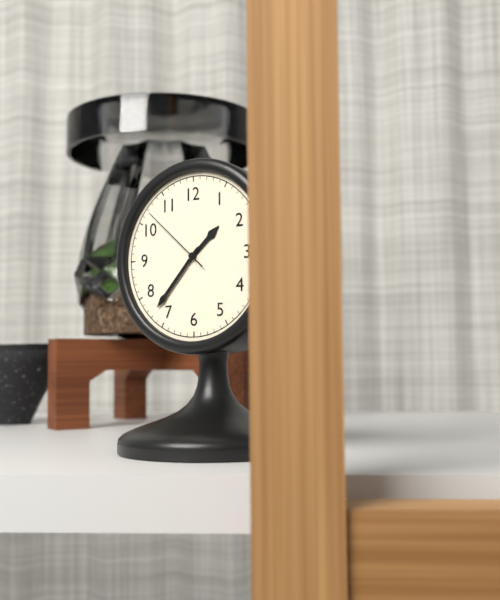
1h37m52s
